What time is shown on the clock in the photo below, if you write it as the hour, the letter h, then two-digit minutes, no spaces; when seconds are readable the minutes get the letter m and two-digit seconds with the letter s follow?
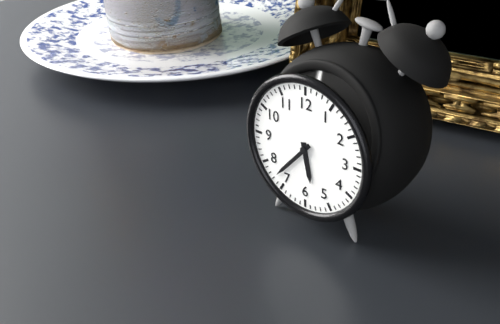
5h37
